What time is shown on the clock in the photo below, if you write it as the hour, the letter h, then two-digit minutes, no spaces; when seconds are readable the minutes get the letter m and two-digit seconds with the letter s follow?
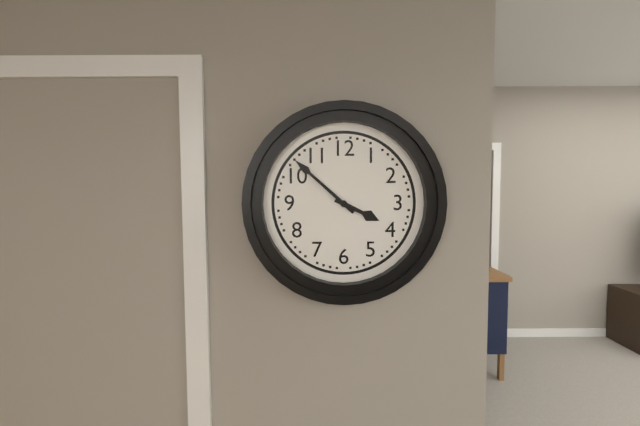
3h52
